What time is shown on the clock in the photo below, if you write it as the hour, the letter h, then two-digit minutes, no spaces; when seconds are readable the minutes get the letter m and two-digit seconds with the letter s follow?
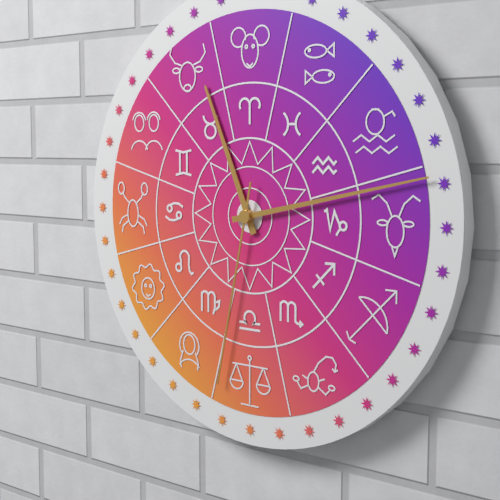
11h13m32s
